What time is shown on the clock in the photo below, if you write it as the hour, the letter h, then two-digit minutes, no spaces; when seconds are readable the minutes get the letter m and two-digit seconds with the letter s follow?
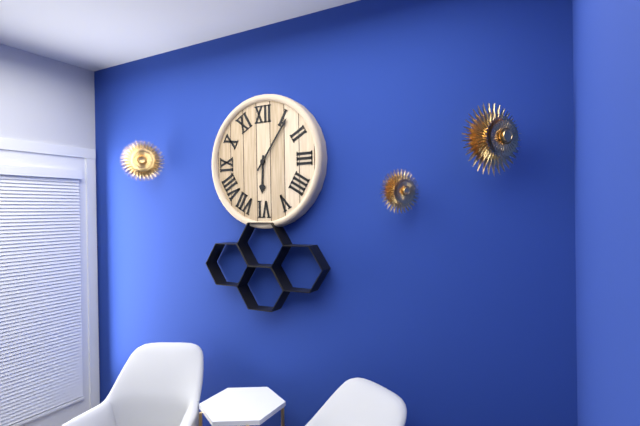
6h06
